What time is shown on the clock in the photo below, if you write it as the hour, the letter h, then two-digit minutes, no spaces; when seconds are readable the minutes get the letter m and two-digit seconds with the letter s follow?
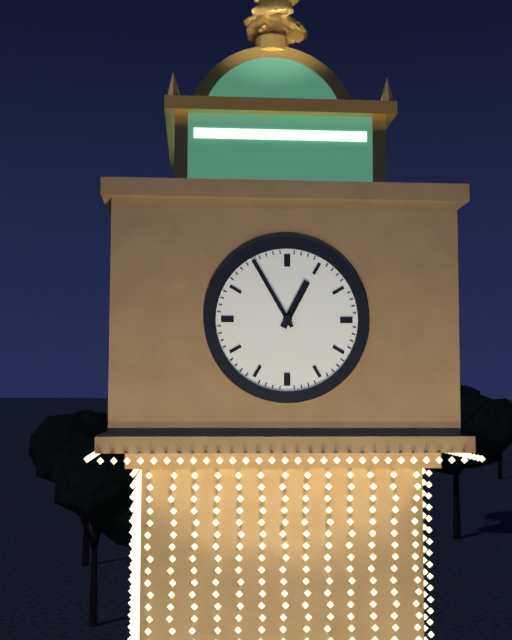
12h55
